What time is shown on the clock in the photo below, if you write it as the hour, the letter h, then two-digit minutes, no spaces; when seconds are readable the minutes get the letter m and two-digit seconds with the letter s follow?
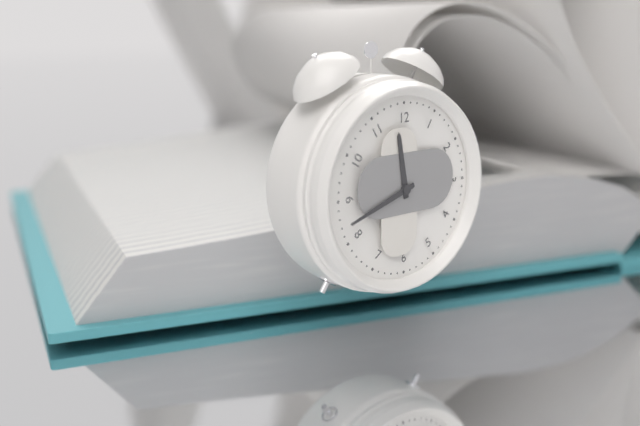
11h42
